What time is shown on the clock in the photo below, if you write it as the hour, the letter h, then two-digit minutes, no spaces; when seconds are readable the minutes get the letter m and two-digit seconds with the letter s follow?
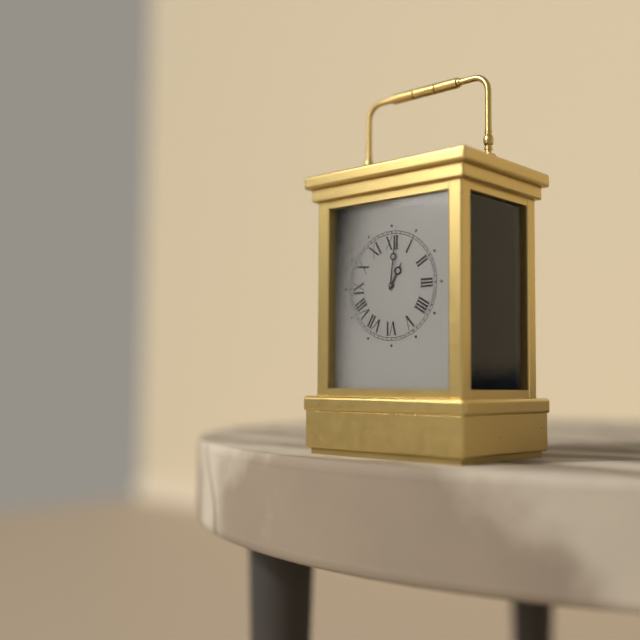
1h01
